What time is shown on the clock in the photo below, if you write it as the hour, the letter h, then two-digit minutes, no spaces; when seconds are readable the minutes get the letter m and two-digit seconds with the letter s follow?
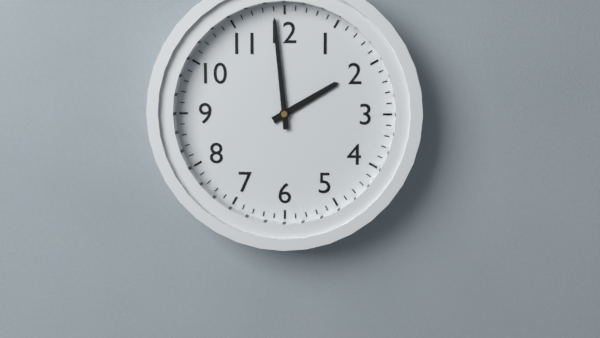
1h59
